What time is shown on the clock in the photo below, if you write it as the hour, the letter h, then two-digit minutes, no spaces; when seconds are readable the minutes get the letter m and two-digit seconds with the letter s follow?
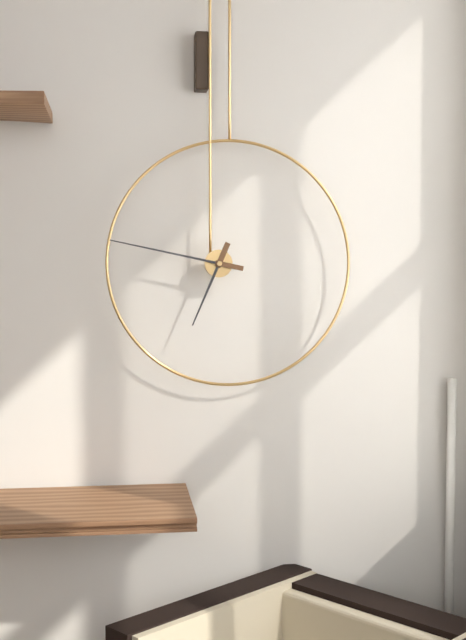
6h47
